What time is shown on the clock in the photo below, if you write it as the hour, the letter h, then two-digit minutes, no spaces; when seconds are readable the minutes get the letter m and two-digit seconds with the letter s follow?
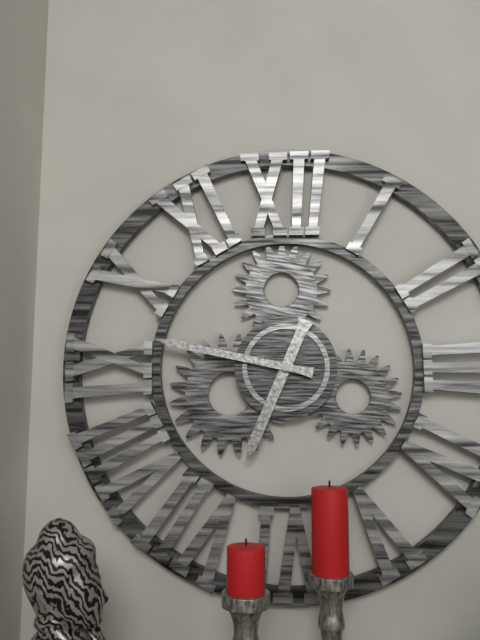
6h47
